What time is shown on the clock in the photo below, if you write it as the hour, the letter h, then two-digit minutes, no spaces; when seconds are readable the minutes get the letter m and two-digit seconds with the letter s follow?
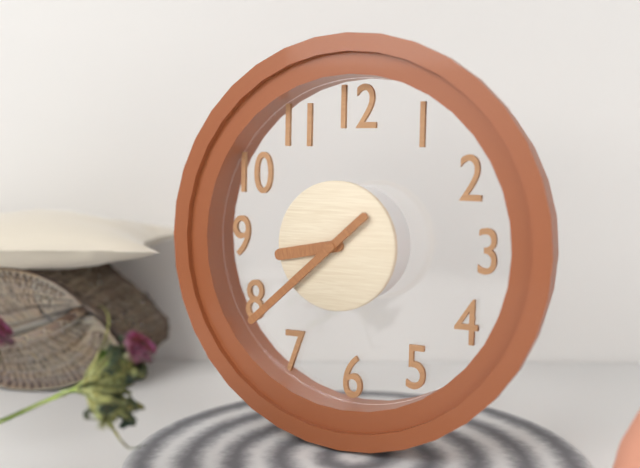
8h38
